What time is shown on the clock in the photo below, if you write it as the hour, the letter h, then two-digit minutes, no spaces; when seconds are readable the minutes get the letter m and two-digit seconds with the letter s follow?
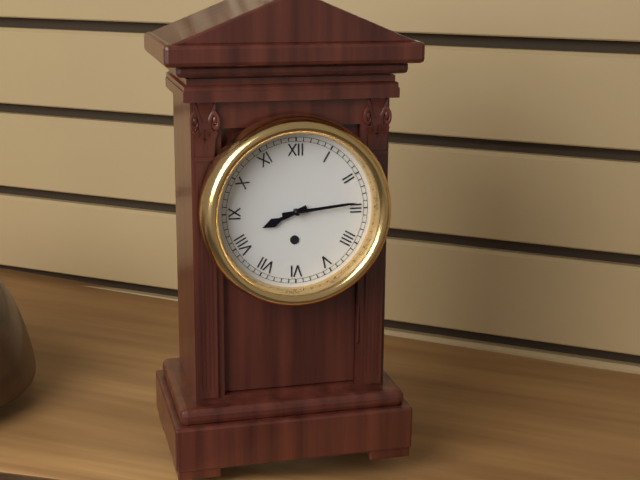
8h14
